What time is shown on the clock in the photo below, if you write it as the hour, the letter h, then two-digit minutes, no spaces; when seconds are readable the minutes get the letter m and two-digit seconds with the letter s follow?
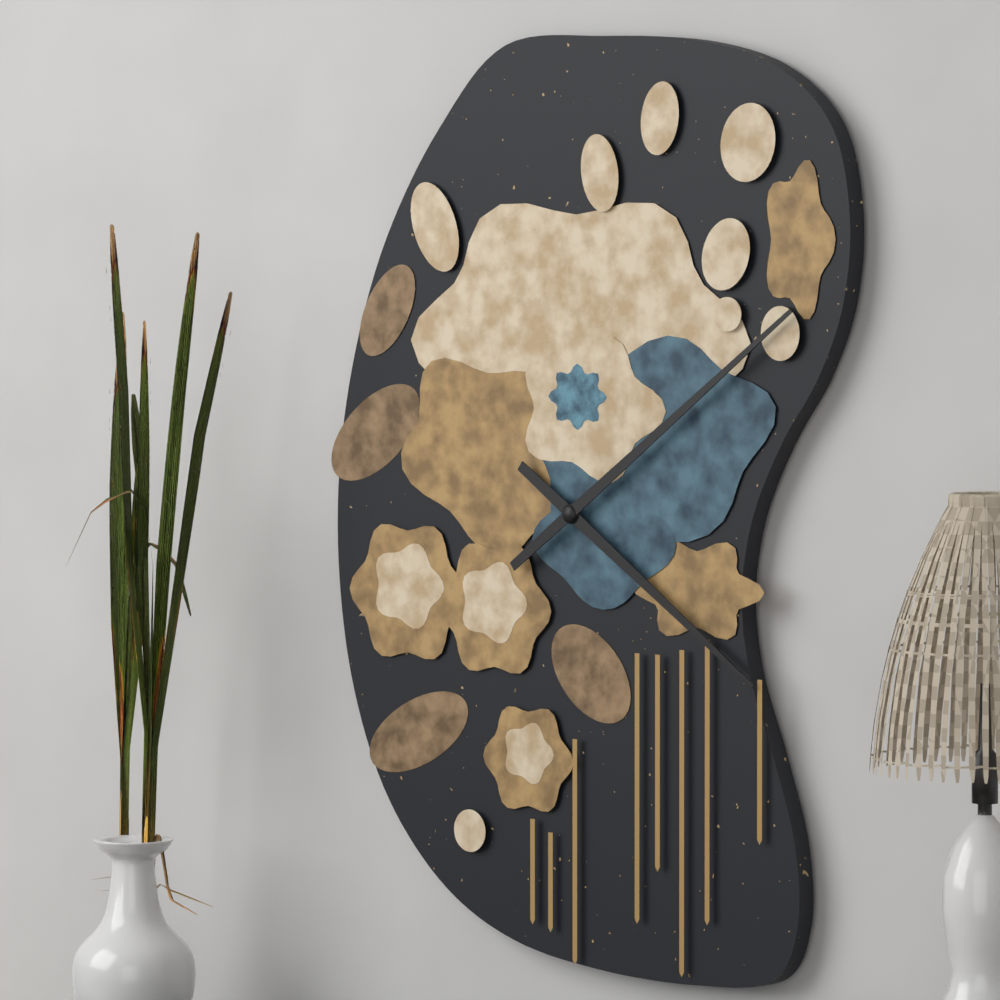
4h09
